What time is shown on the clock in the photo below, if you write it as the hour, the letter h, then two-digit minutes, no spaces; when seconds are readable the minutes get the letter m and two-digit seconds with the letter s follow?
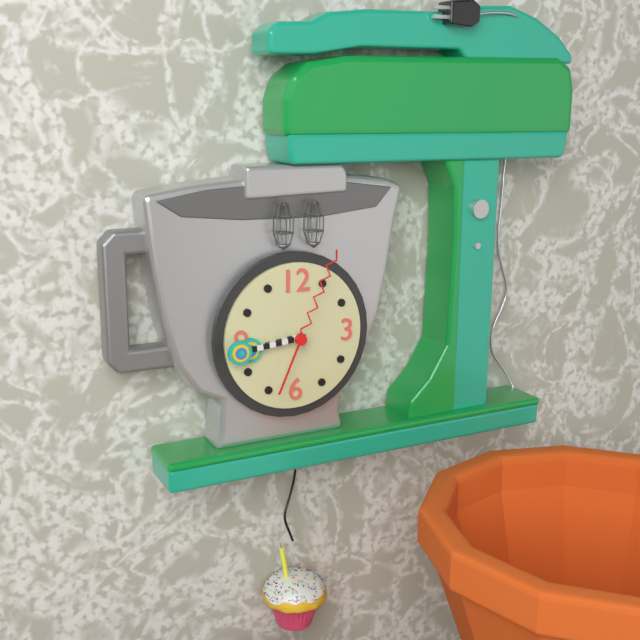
8h44m04s
